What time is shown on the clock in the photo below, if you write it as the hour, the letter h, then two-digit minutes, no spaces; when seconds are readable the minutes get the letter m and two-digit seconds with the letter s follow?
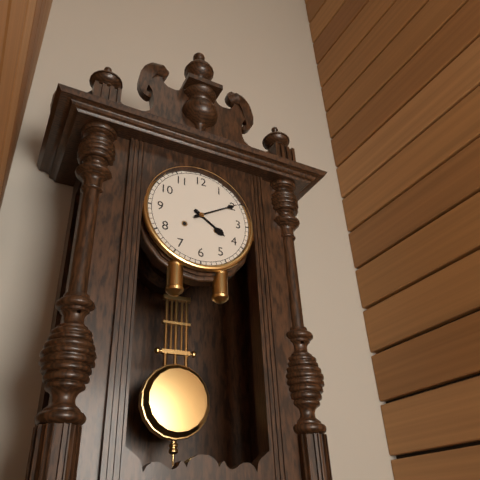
4h10
